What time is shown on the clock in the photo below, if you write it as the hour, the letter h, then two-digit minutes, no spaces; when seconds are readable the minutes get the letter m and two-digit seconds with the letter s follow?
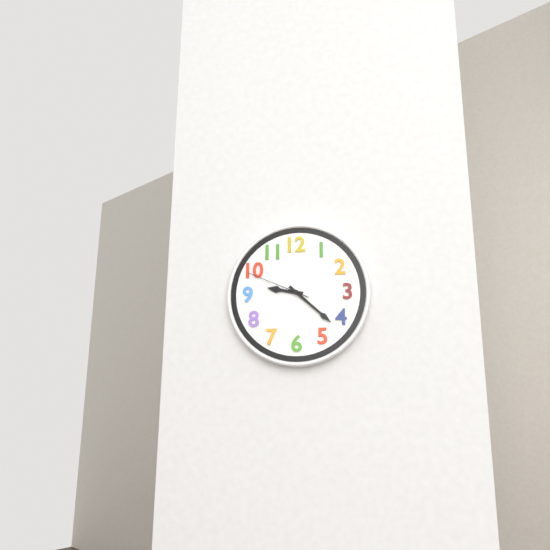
9h22m49s
